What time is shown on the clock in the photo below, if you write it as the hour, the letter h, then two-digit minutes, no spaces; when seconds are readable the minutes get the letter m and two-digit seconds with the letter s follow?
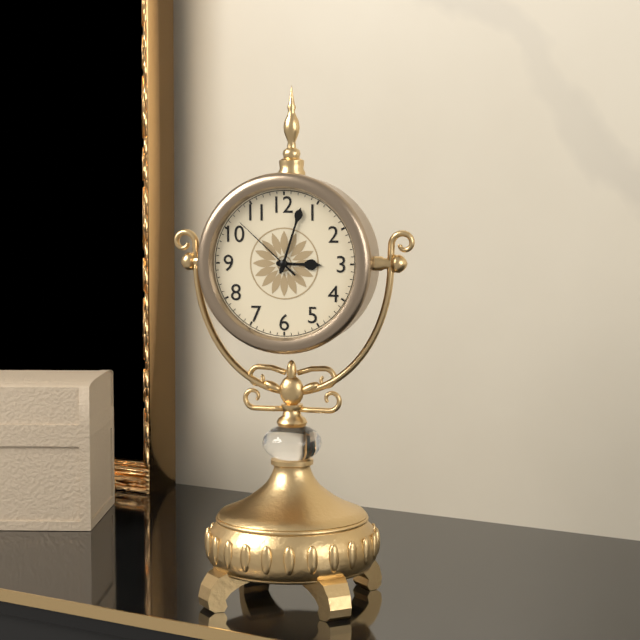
3h03m52s
